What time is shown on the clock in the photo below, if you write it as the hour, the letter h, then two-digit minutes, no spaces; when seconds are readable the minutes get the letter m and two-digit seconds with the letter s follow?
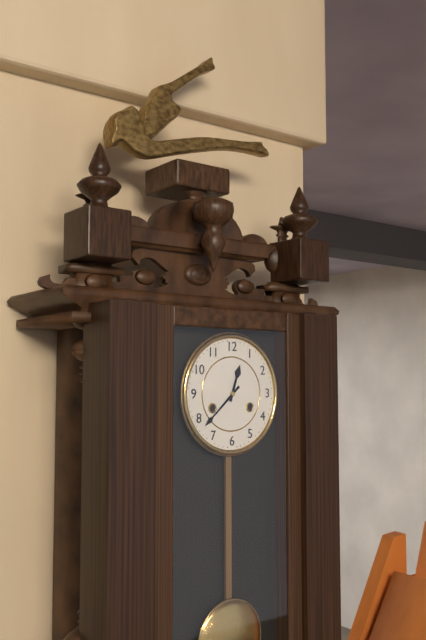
12h38
